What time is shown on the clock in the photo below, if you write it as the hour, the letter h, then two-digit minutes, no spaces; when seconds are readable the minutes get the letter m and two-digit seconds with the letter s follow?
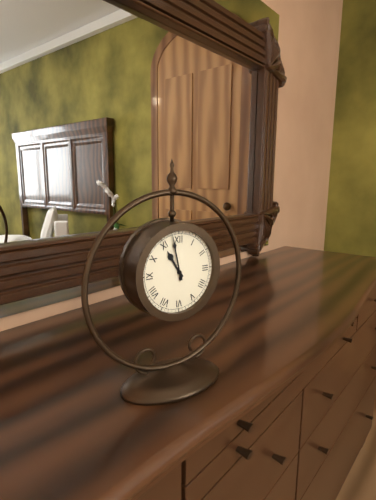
10h58
